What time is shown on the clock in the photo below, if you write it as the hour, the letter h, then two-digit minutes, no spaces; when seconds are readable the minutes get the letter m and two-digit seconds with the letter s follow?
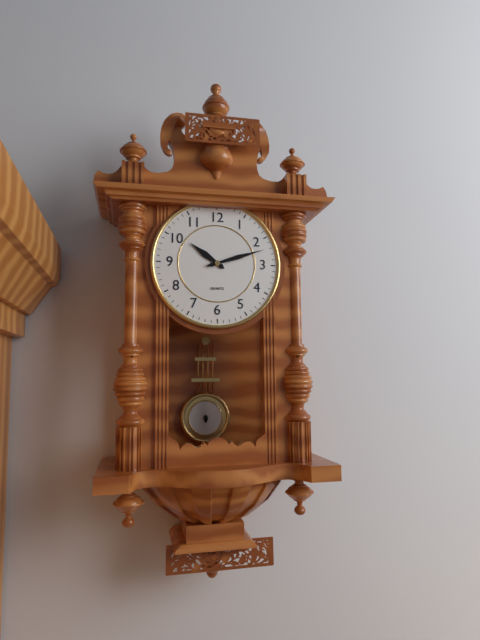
10h12
